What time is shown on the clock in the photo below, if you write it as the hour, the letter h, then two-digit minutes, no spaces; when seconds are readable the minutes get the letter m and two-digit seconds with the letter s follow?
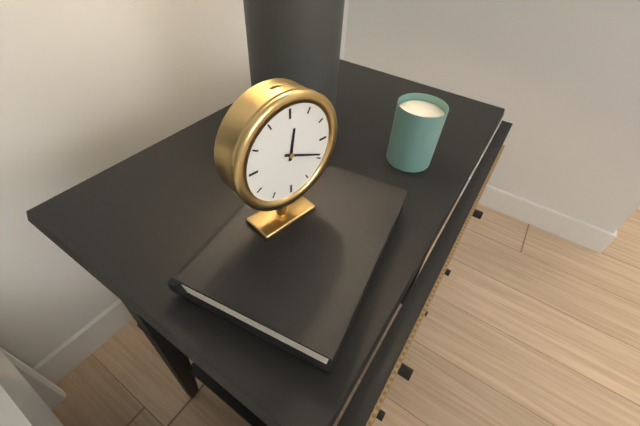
12h19
